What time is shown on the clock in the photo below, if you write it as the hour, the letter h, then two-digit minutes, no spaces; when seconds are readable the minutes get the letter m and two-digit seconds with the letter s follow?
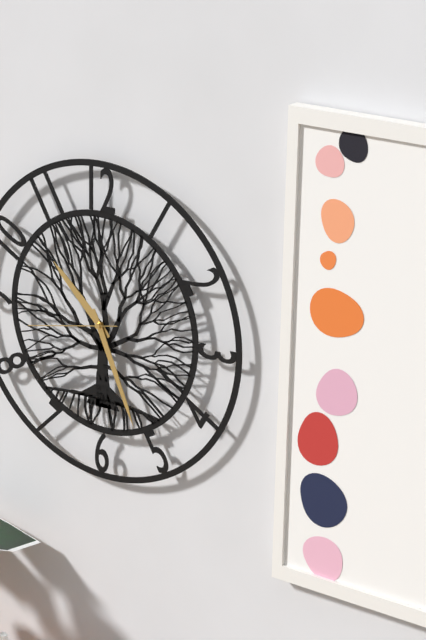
10h26m43s
